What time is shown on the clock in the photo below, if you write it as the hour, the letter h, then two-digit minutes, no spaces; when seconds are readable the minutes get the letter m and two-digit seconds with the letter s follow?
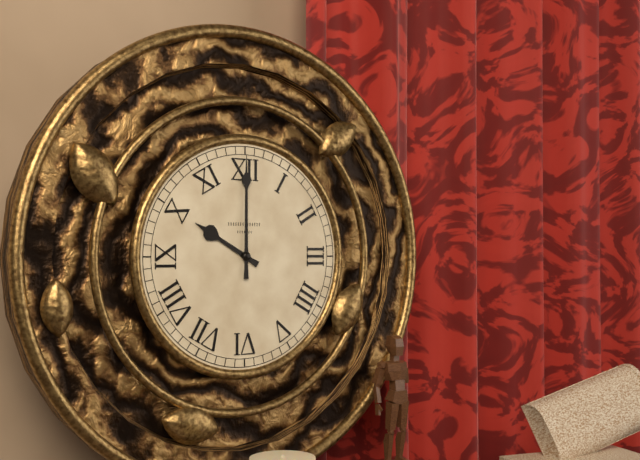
10h00
